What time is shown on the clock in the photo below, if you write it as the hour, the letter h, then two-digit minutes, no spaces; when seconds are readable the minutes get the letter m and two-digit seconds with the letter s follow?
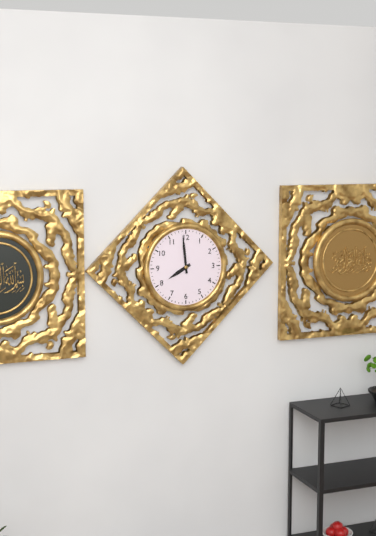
7h59
